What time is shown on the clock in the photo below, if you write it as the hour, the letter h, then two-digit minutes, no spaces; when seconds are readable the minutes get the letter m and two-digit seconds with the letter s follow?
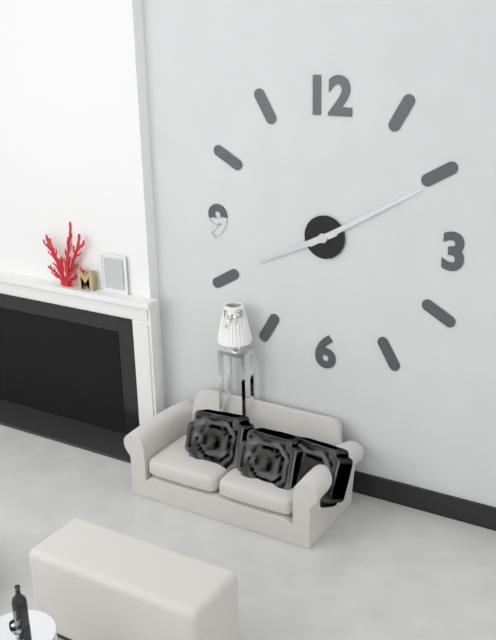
8h10
